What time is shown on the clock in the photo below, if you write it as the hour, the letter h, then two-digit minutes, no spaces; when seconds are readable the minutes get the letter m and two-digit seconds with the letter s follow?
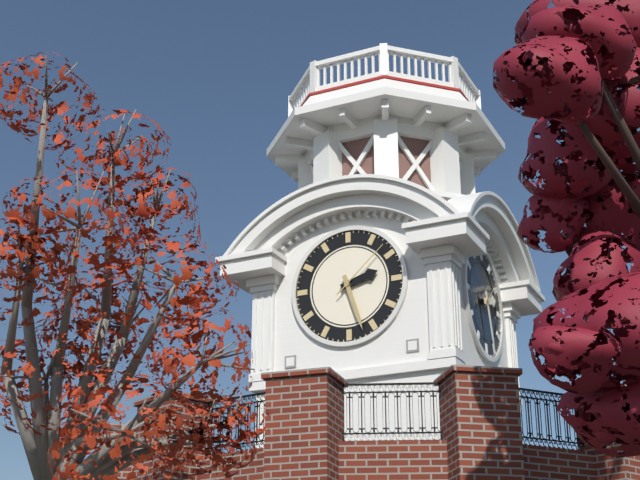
2h27m08s
